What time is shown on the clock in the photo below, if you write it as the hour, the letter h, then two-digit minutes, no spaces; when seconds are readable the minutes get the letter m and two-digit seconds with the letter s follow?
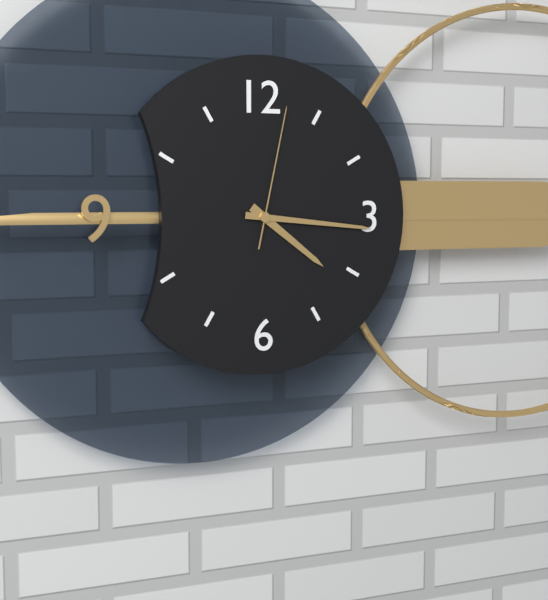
4h16m02s
